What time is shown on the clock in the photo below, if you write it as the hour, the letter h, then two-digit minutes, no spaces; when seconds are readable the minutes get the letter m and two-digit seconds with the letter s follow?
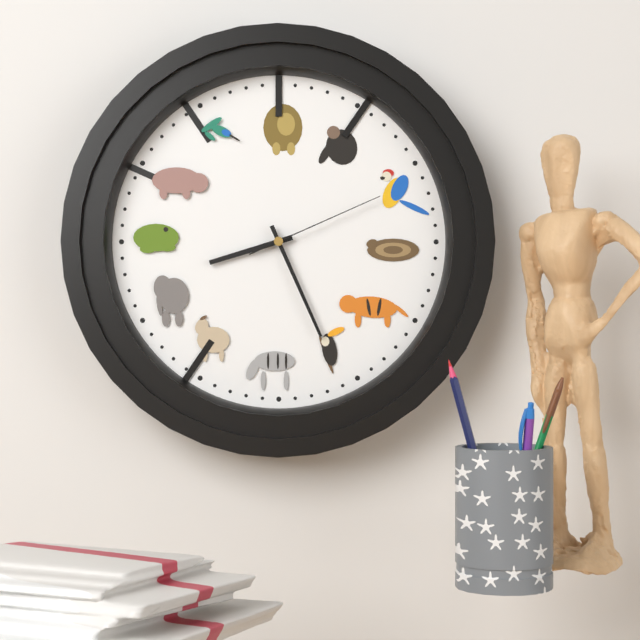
8h26m11s
